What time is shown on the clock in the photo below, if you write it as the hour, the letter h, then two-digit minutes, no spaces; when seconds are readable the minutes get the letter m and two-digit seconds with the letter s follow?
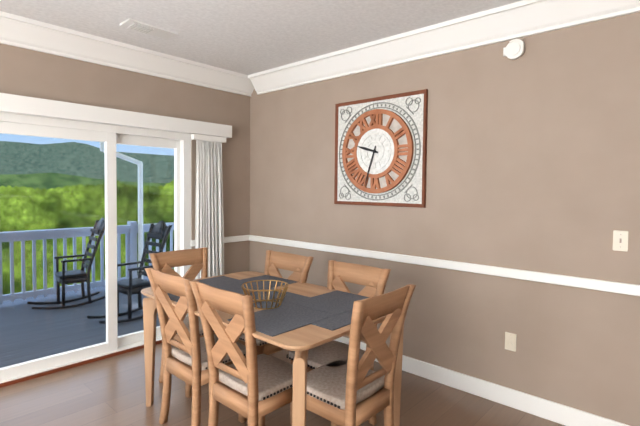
9h33
